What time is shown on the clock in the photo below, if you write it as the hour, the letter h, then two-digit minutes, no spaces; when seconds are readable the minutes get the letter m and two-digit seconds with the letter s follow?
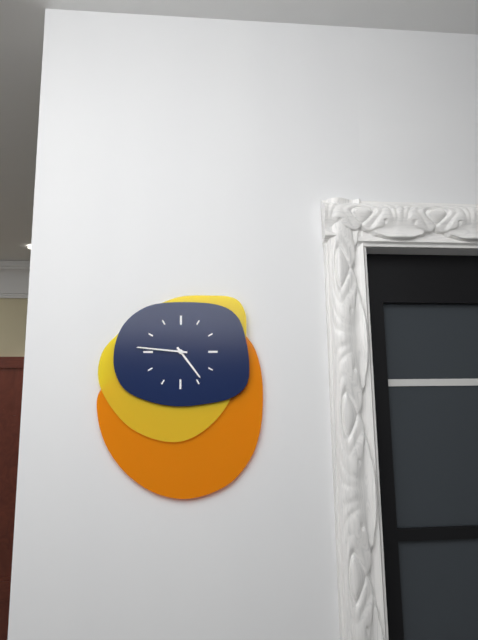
4h46
